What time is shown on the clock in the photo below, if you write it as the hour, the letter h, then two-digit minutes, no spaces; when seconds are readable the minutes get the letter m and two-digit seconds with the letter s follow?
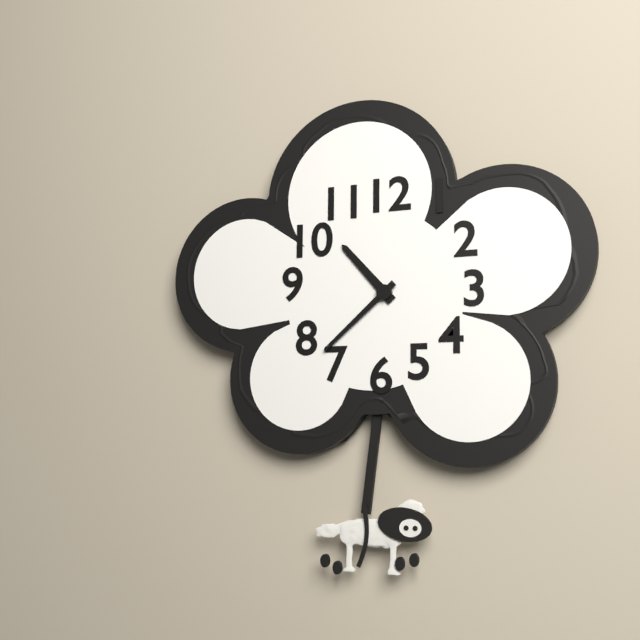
10h38
